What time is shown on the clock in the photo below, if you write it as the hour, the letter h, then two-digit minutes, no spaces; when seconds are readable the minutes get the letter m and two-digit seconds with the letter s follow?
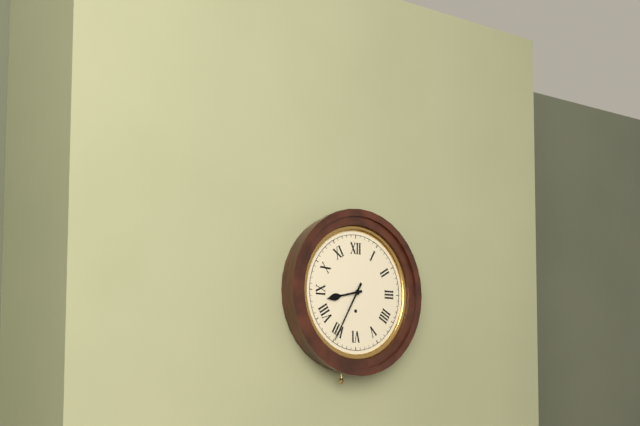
8h35
